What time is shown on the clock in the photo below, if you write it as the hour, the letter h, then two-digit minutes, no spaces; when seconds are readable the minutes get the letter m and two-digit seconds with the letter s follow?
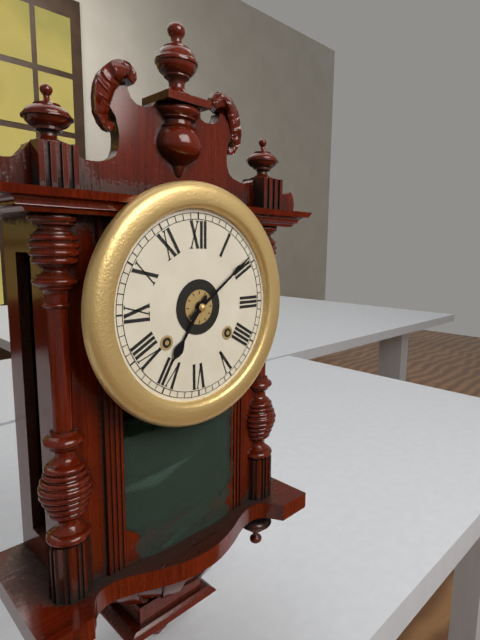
7h09
